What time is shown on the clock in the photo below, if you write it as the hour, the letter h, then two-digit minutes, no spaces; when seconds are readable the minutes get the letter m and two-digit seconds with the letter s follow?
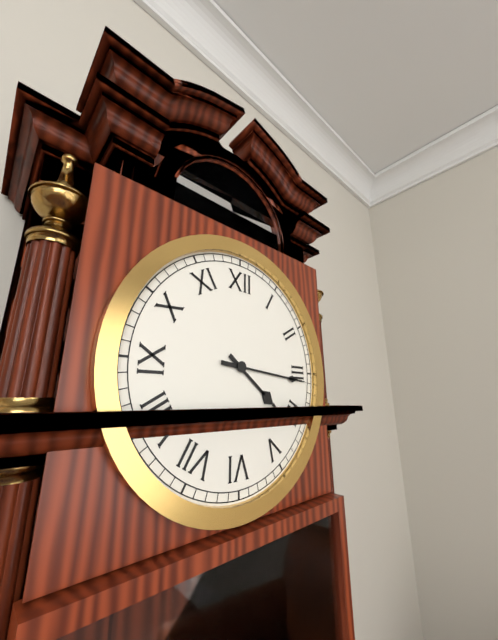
4h16
